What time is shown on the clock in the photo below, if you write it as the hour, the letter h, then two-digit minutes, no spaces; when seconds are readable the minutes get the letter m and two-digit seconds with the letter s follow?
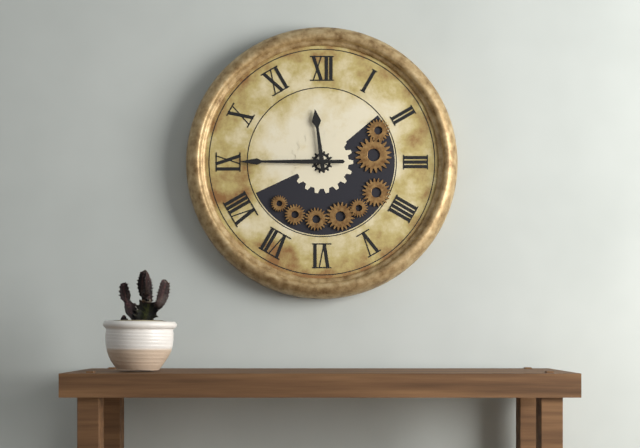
11h45
